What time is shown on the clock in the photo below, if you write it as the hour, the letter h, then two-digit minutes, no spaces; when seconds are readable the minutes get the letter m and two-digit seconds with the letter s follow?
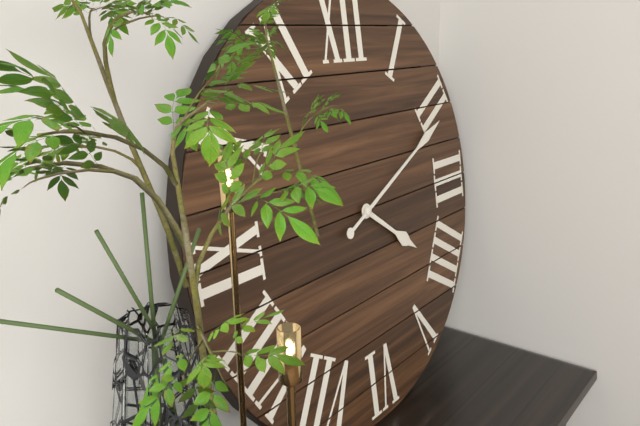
4h11
